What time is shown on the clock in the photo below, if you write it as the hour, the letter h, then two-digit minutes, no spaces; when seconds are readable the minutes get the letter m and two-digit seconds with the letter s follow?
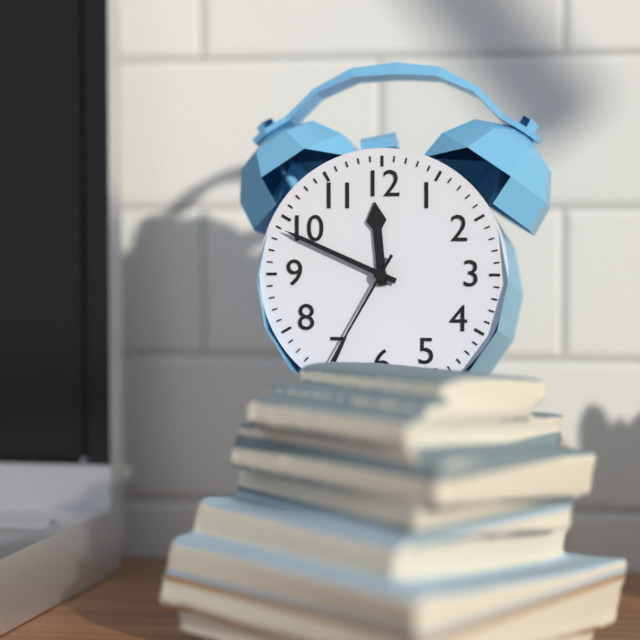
11h49m35s
